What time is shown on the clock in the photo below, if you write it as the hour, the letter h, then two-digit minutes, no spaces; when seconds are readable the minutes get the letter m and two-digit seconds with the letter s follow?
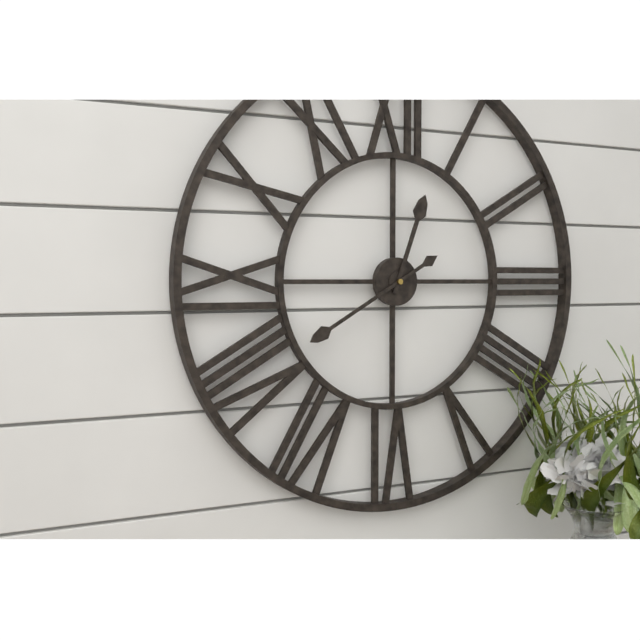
12h40
